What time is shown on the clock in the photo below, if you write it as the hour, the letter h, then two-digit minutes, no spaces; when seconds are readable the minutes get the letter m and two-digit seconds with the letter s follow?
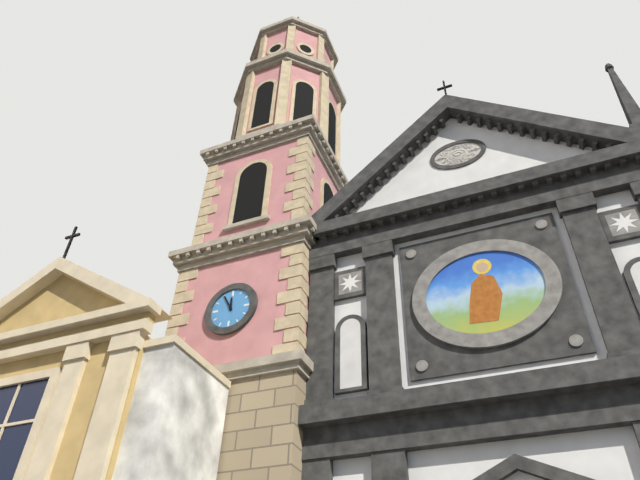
11h55
